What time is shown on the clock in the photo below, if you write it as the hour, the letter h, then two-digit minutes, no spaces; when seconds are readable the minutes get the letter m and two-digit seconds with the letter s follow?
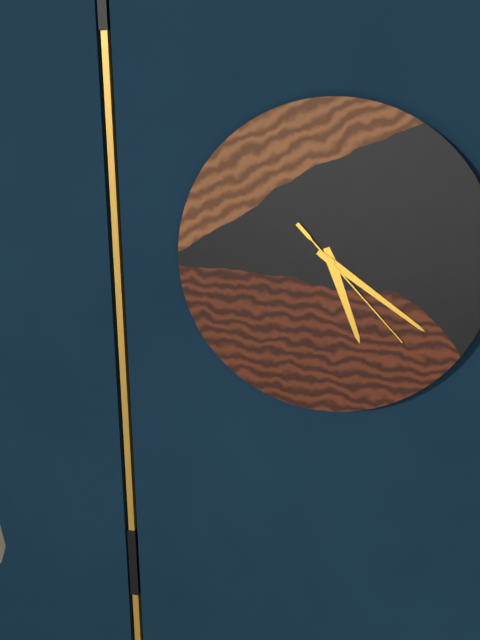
5h21m23s
